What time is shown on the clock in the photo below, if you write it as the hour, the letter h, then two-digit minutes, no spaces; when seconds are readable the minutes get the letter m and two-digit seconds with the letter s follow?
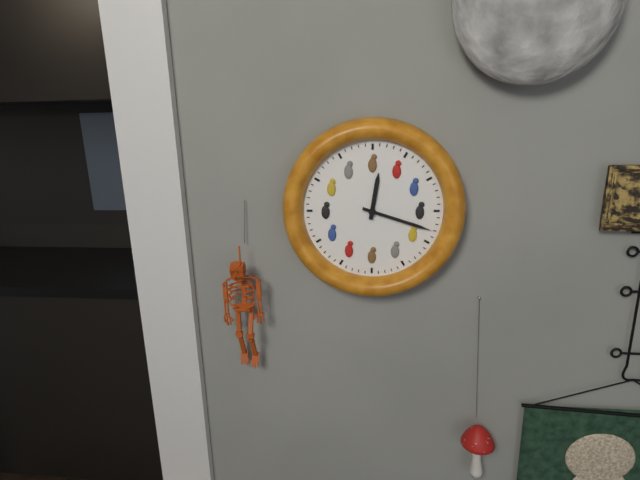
12h18
